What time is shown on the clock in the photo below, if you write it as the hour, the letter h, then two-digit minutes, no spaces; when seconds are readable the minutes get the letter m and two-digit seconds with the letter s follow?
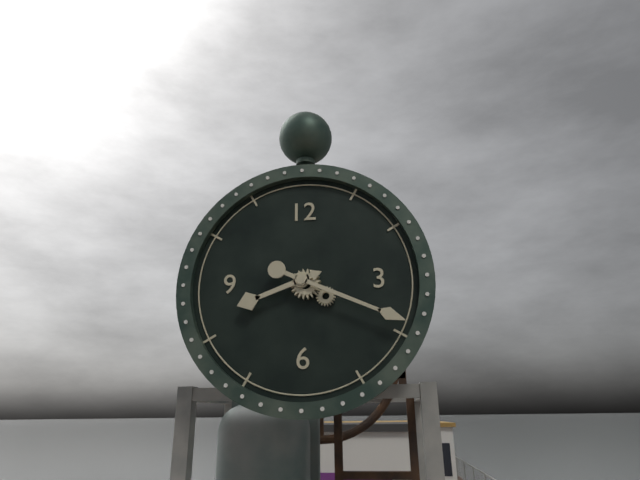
8h19
